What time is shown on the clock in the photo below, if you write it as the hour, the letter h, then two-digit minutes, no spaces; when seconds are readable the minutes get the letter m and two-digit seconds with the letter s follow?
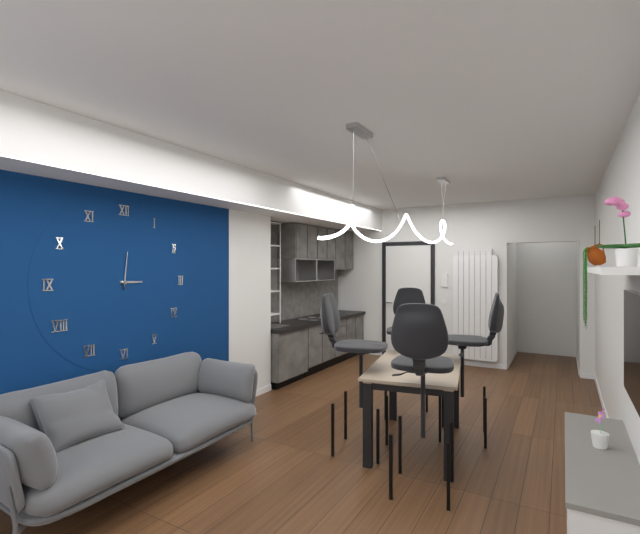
3h01
